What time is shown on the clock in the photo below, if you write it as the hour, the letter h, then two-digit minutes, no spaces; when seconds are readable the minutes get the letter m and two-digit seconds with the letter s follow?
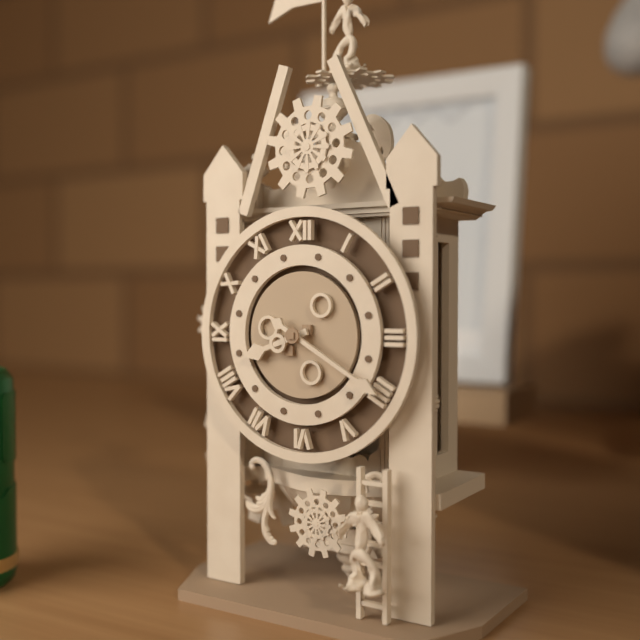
8h20
